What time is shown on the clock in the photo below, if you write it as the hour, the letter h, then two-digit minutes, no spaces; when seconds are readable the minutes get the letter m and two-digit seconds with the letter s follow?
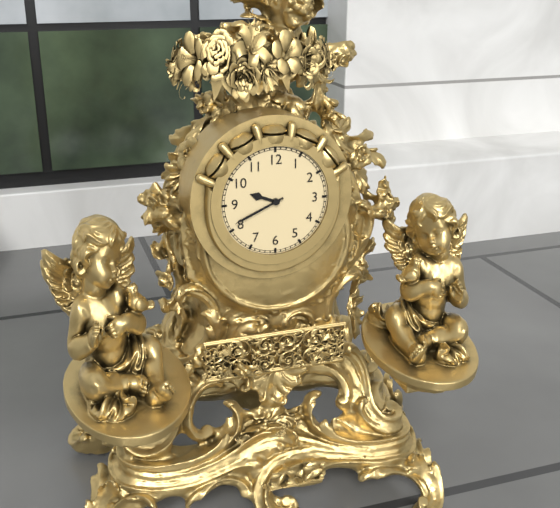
9h41
